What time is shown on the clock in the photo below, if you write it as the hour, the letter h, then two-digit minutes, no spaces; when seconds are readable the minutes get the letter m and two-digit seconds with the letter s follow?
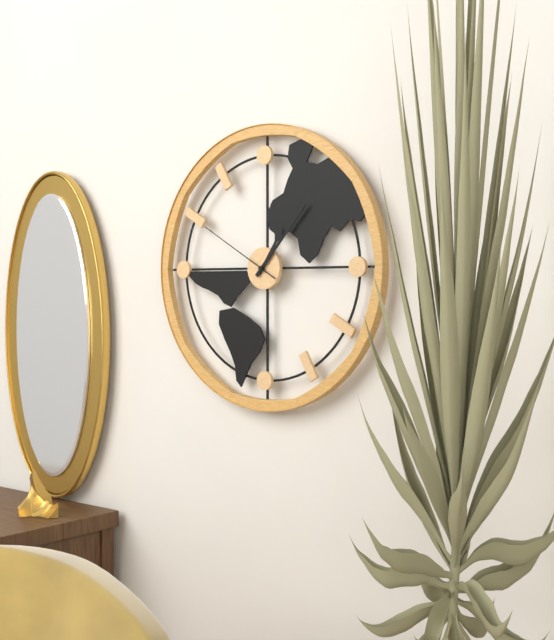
1h07m50s
